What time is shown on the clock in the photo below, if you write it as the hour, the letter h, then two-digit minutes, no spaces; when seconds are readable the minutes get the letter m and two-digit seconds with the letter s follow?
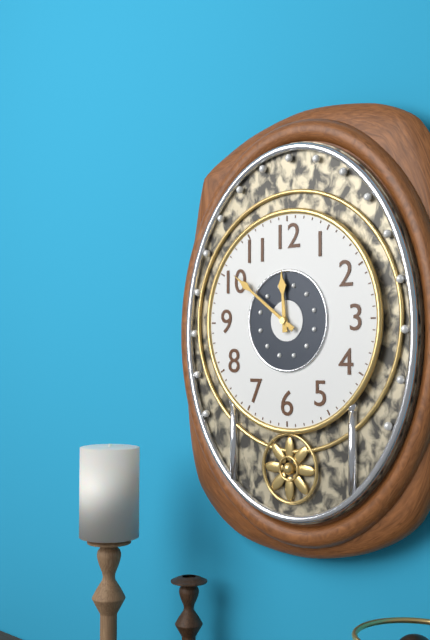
11h51
